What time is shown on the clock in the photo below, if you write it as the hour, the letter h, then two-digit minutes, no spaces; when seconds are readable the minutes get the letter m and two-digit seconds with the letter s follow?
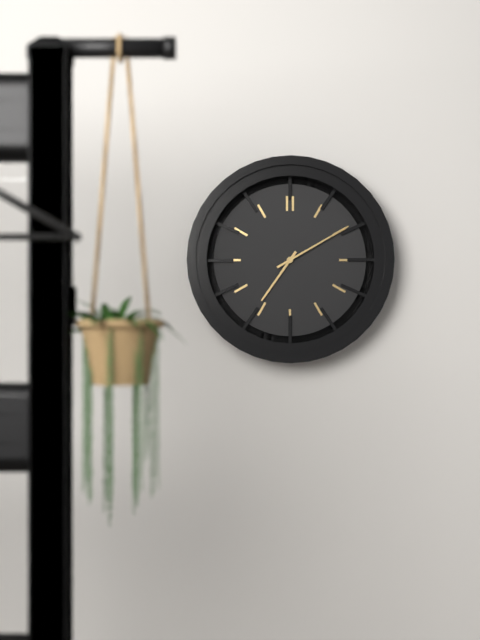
7h10
